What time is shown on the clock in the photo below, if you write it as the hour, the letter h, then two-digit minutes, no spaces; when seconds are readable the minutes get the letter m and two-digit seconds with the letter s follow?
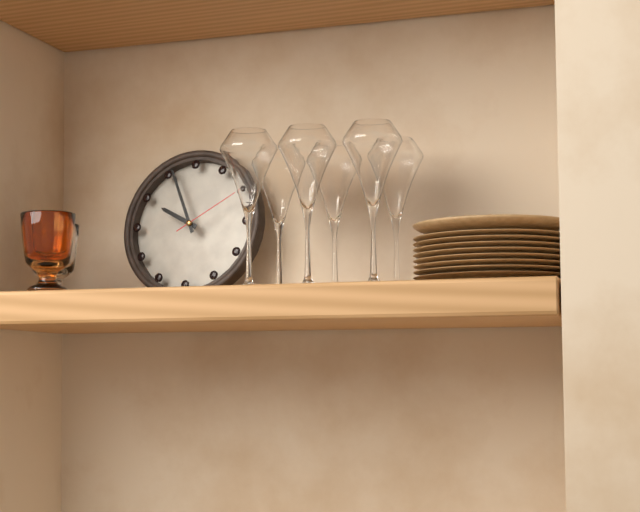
9h56m10s
